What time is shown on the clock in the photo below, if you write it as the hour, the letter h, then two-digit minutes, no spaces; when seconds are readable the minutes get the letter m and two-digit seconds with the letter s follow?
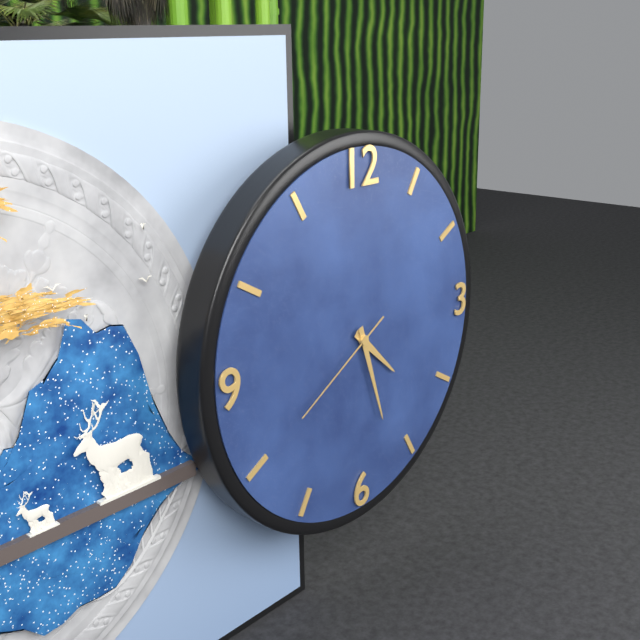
4h27m40s
